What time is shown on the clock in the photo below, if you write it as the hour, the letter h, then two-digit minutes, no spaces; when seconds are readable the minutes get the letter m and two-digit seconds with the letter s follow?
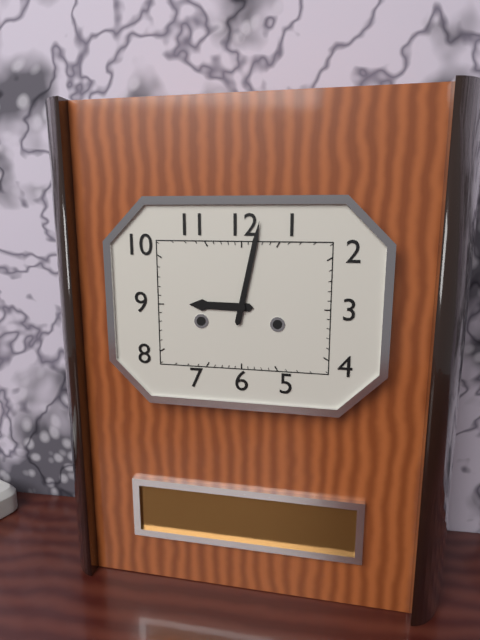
9h02
